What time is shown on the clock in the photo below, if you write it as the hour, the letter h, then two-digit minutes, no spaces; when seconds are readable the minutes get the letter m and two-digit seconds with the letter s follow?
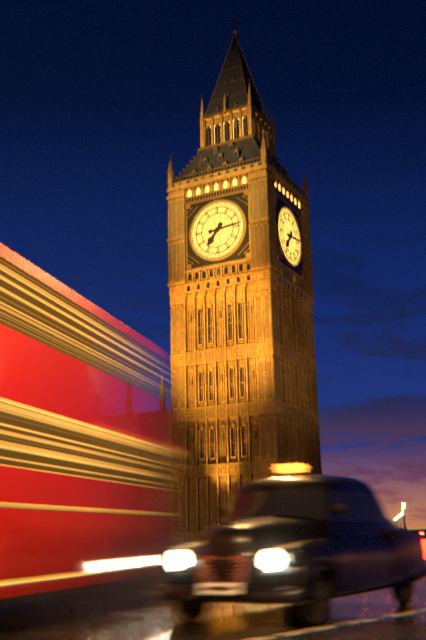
7h14
